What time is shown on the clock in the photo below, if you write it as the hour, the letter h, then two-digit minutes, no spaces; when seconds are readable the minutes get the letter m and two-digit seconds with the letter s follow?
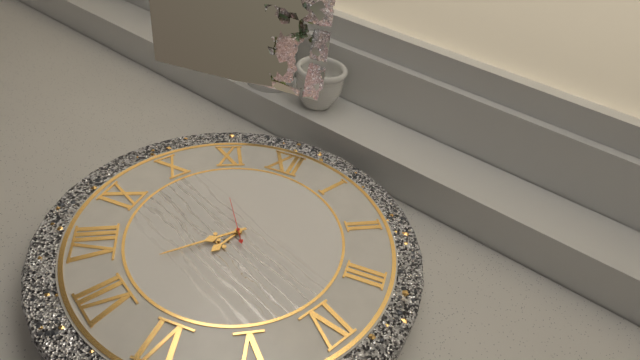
6h37
